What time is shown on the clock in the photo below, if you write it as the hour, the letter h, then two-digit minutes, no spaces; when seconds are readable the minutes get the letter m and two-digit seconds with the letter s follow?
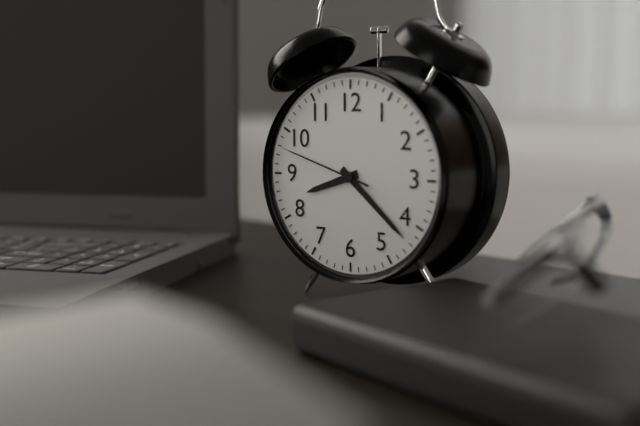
8h22m48s
